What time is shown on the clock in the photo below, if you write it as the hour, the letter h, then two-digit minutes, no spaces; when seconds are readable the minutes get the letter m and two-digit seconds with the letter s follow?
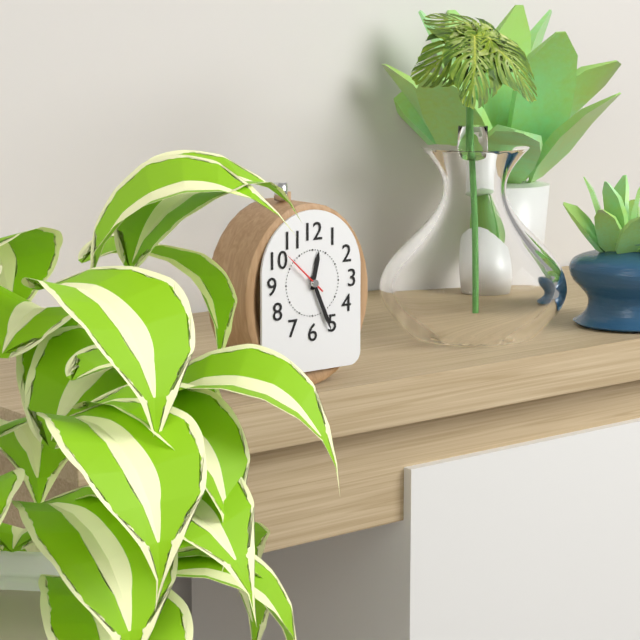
12h26
